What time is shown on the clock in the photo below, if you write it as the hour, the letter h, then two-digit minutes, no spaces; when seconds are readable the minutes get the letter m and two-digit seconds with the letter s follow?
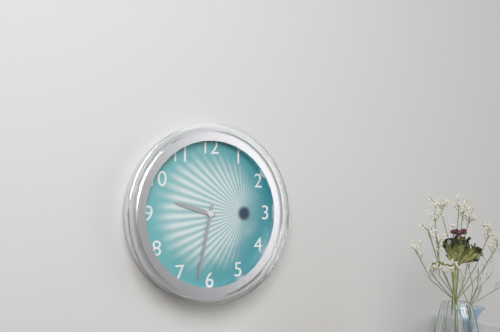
9h32
